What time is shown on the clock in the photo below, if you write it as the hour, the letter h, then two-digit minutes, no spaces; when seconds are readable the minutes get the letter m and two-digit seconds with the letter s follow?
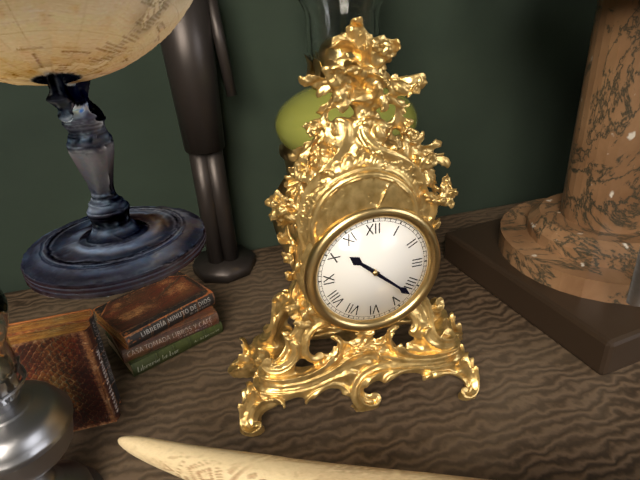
10h22
